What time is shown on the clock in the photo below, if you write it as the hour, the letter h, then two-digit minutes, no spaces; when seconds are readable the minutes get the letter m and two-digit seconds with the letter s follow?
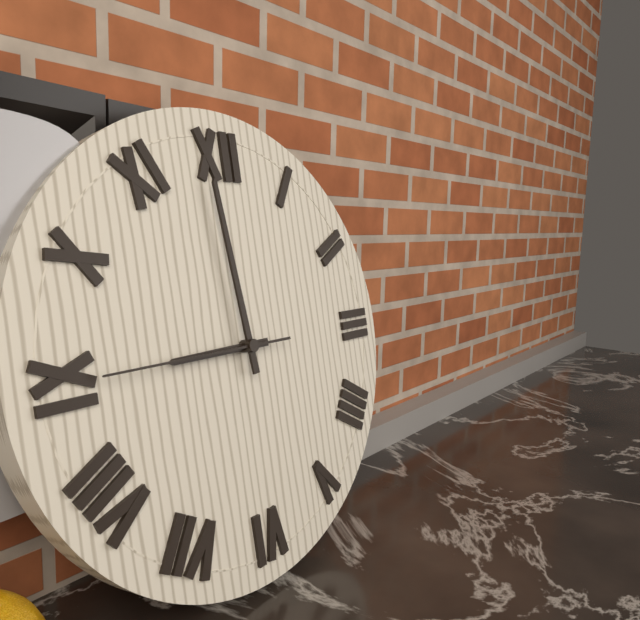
8h59m45s
